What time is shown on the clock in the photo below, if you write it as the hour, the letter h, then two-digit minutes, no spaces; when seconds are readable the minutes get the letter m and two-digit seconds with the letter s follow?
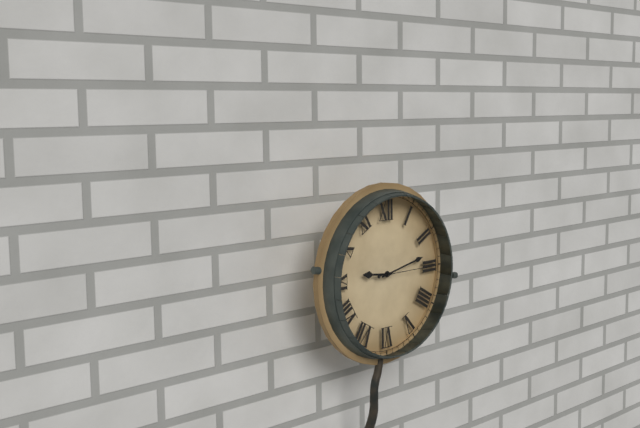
9h13m15s
